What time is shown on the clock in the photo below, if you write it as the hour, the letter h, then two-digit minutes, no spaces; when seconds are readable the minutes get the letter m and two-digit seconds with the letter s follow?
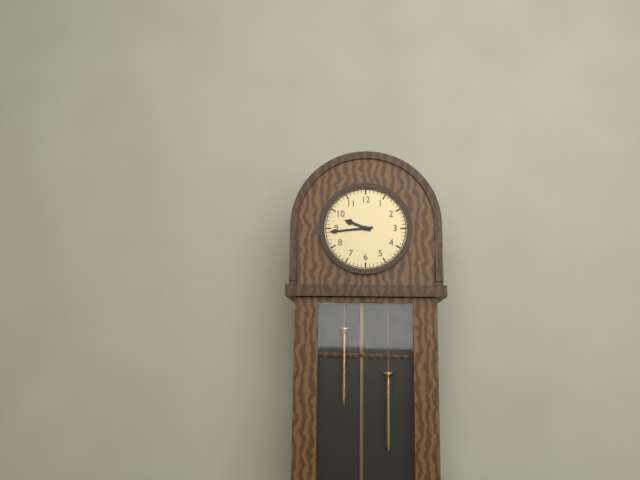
9h44
